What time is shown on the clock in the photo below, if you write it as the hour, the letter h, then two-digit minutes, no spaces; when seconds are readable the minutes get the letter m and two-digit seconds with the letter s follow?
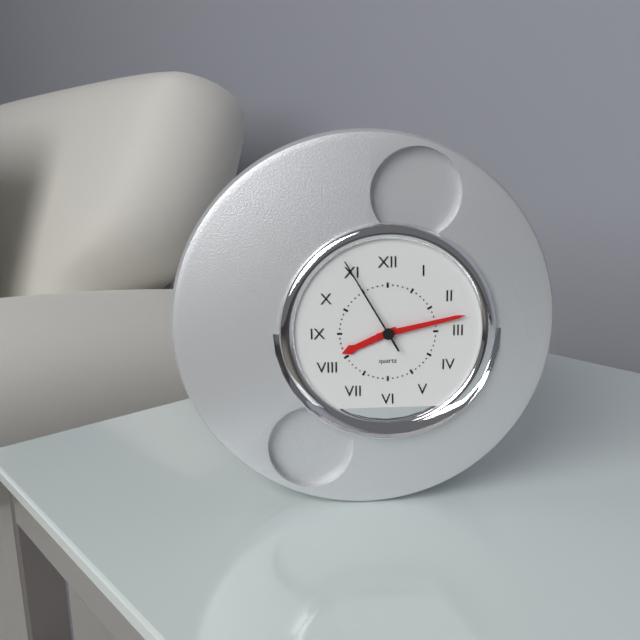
8h13m55s
